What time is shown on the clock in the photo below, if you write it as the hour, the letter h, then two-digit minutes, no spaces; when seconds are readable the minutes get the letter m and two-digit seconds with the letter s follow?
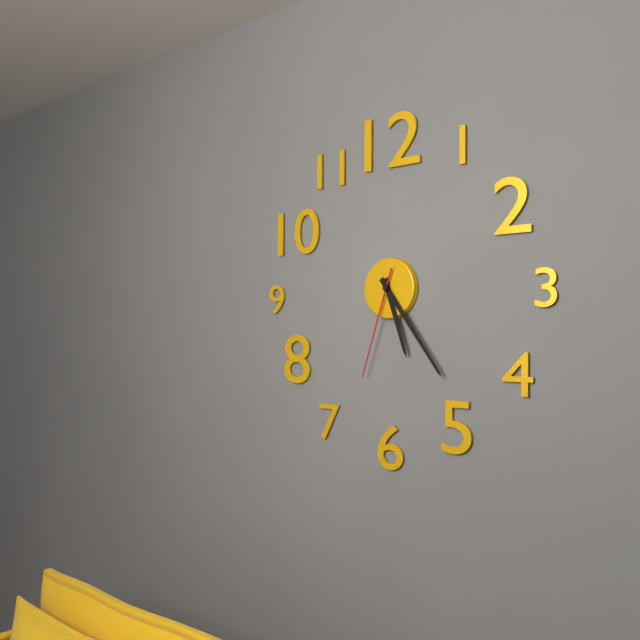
5h24m33s
